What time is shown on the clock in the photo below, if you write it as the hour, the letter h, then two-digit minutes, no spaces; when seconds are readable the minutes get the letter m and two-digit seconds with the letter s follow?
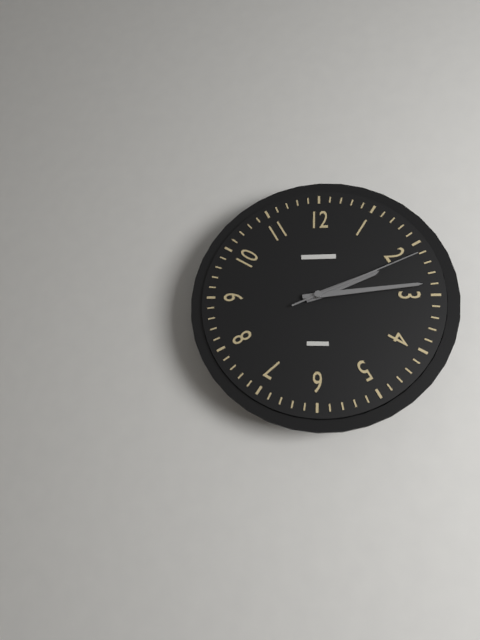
2h14m11s
